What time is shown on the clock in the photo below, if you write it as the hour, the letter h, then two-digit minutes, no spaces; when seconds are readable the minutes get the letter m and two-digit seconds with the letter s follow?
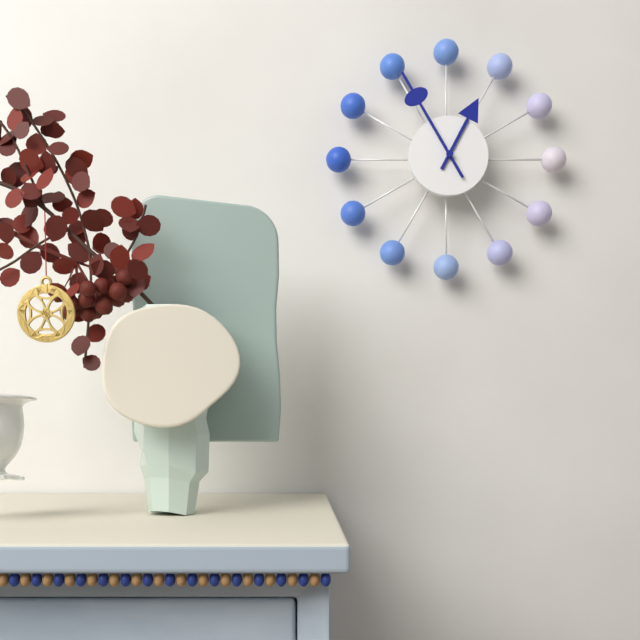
12h55
